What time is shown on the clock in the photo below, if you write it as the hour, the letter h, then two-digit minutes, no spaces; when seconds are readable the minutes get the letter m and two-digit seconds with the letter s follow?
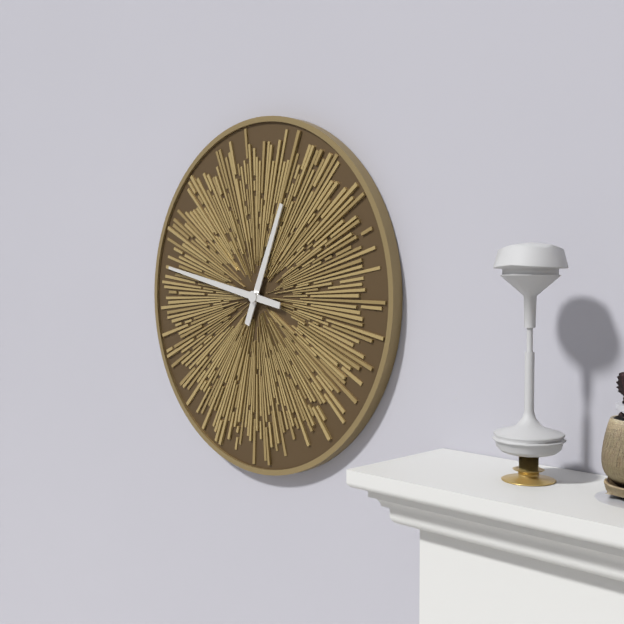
12h47
